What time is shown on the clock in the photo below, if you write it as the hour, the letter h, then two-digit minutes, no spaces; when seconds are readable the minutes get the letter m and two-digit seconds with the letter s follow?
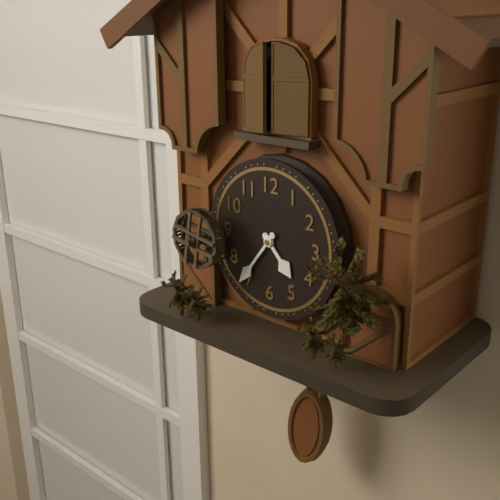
4h36
